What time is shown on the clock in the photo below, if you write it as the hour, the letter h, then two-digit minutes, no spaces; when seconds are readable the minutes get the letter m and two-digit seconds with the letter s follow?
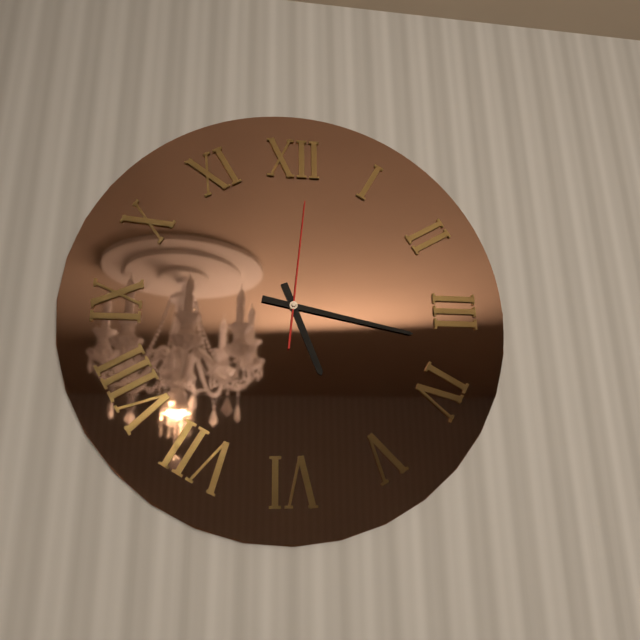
5h17m01s
